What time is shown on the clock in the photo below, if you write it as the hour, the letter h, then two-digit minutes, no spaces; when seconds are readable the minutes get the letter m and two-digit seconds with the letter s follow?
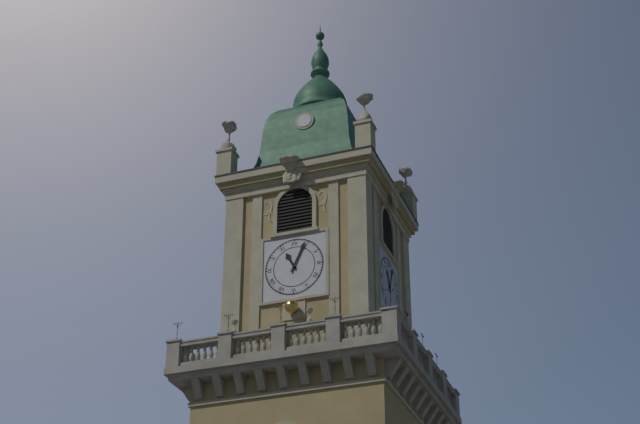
11h04
